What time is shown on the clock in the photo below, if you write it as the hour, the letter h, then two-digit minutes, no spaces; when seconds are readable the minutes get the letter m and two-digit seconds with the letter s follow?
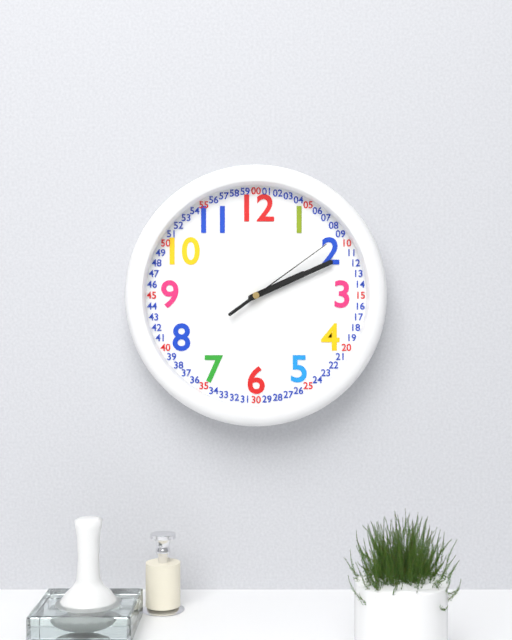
2h11m09s
